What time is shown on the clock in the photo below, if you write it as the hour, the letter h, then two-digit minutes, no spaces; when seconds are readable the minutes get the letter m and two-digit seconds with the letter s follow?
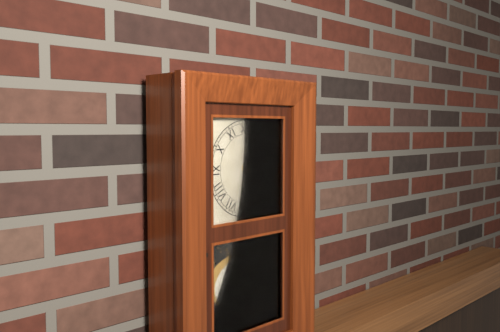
2h04
